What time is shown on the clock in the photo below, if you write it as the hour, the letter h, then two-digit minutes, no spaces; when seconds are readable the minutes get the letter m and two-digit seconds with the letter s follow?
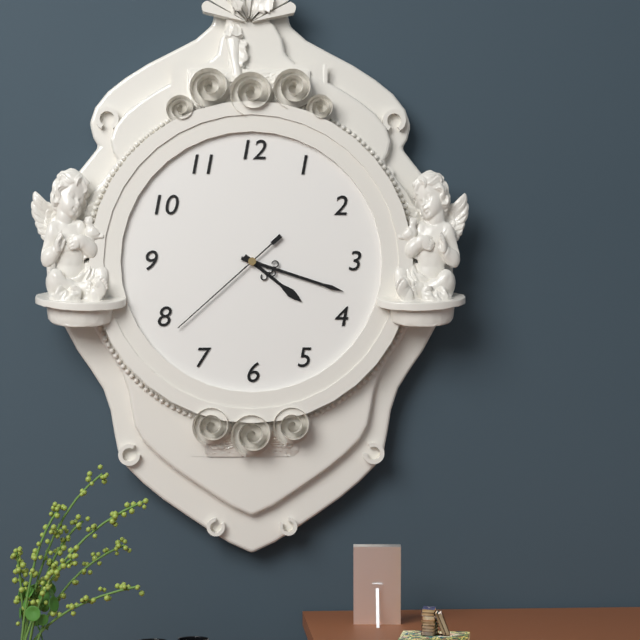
4h18m38s
